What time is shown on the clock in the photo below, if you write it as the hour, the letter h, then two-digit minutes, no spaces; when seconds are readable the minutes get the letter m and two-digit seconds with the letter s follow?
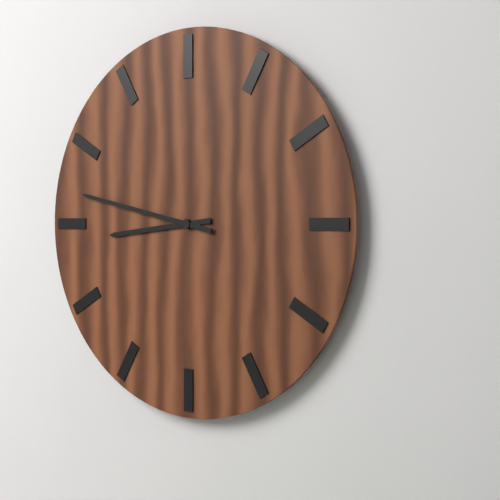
8h47
